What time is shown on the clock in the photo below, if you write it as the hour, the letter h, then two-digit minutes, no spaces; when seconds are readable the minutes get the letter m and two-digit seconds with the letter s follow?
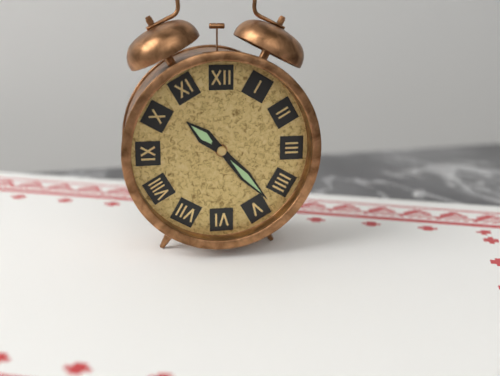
10h23
